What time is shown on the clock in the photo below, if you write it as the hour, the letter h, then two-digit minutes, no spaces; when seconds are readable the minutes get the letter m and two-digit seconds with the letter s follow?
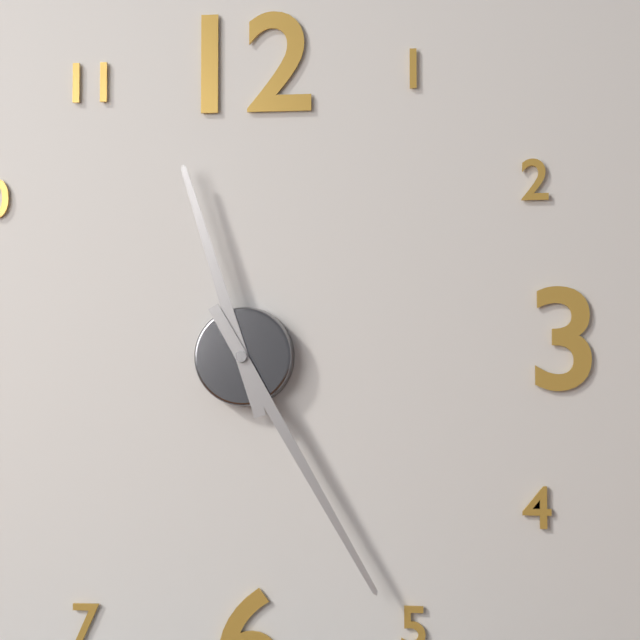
11h25
